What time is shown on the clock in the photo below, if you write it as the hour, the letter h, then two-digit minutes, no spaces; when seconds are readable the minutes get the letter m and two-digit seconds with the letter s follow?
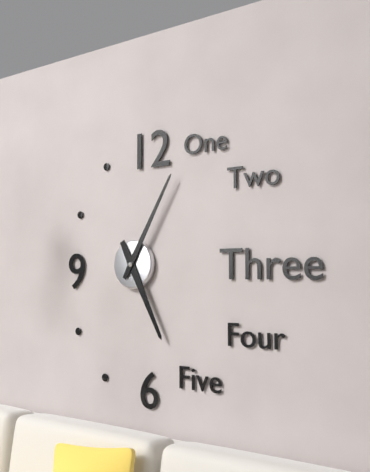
5h05
